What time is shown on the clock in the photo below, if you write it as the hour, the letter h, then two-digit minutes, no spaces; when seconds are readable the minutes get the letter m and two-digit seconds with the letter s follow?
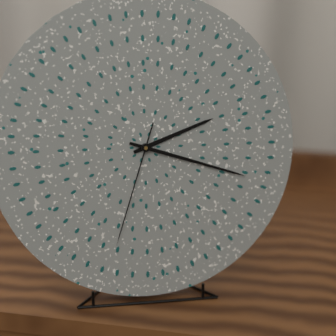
2h18m33s
